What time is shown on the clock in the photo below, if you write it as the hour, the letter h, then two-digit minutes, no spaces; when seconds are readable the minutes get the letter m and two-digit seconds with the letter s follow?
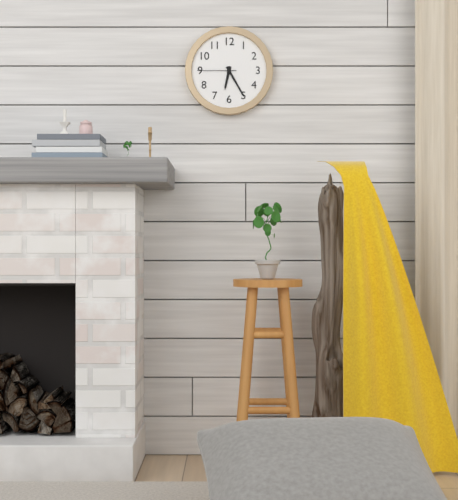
6h25
